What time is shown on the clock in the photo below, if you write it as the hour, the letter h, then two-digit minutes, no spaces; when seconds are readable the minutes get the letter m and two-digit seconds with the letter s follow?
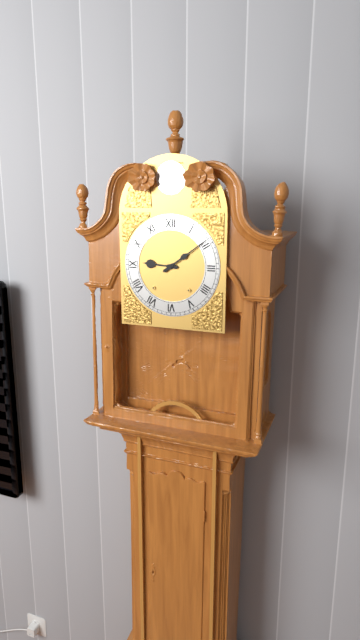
9h09
